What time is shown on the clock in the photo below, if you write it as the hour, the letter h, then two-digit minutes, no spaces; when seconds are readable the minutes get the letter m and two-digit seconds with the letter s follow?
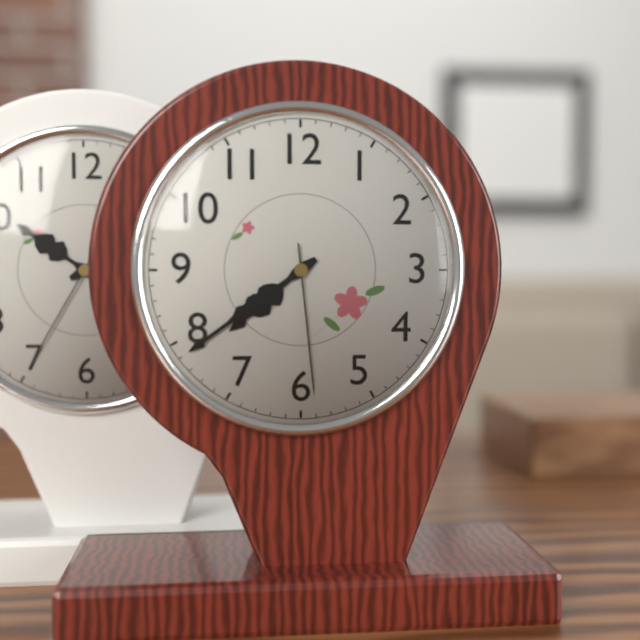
7h39m29s
